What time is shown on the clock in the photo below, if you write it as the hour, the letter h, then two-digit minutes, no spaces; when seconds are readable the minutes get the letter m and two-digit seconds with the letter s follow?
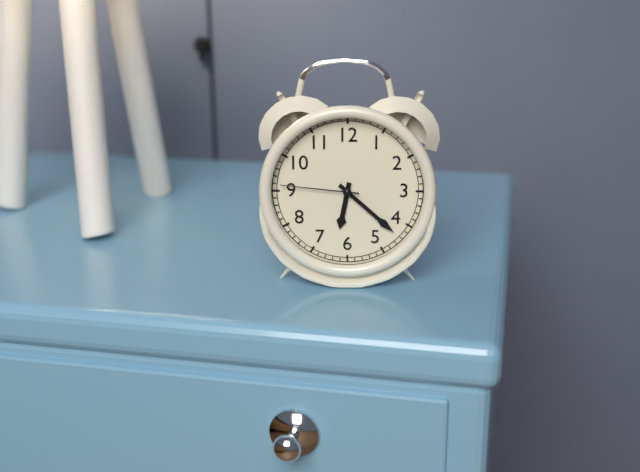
6h22m46s
